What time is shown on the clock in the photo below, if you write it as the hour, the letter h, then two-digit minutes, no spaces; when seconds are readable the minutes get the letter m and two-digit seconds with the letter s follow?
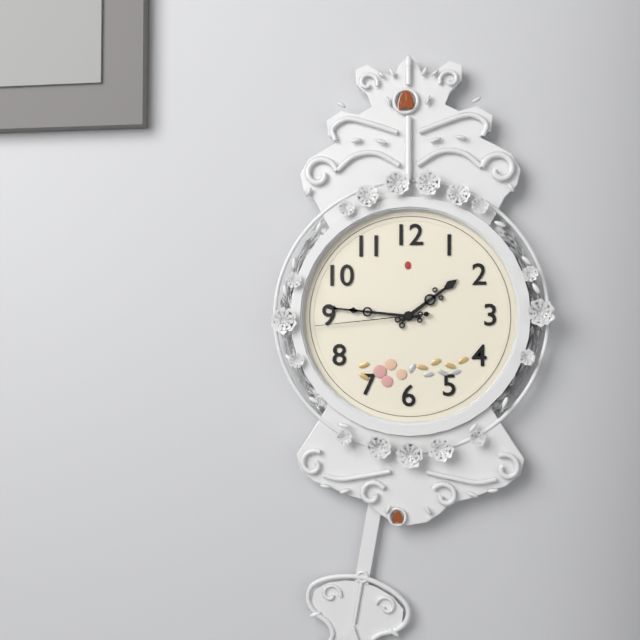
1h46m44s
